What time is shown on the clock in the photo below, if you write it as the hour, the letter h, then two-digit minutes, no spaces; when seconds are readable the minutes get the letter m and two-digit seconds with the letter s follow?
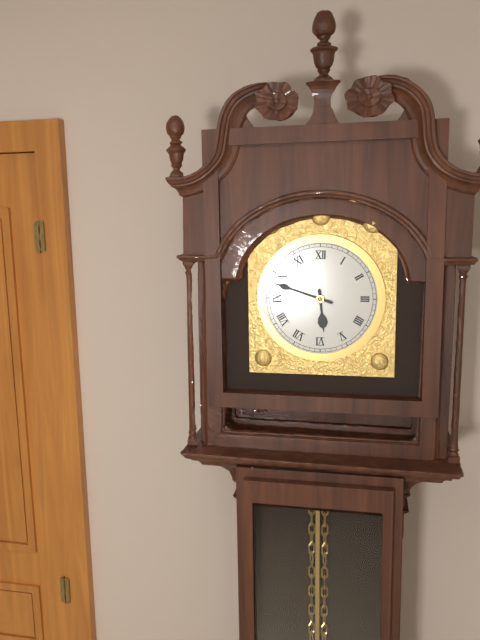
5h48
